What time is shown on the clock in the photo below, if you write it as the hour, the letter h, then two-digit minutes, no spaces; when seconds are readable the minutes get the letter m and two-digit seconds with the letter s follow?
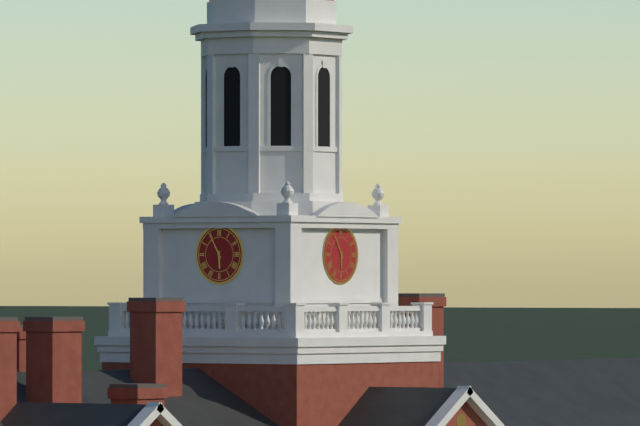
5h55
